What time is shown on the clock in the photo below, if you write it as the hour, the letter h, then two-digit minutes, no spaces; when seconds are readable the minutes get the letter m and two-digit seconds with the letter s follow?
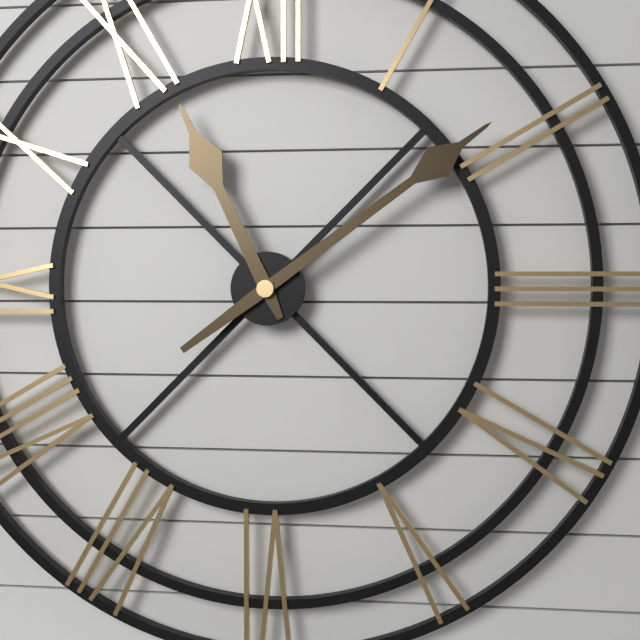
11h09
